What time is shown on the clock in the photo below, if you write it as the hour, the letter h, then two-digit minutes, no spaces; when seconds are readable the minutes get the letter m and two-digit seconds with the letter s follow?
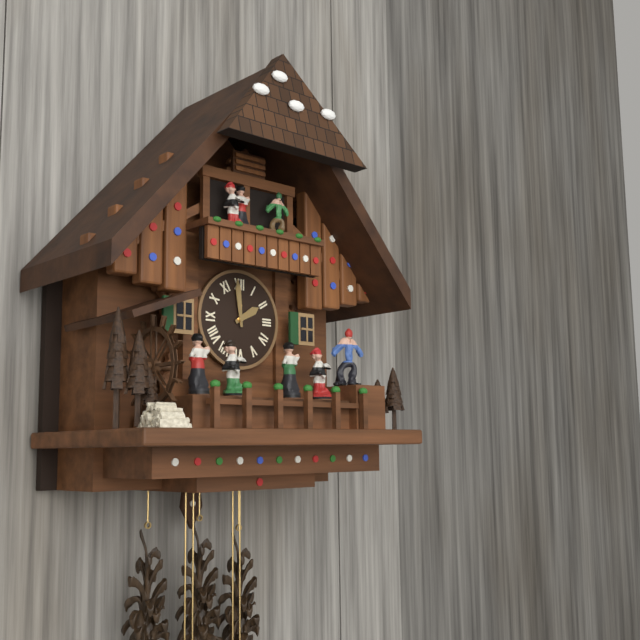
1h59
